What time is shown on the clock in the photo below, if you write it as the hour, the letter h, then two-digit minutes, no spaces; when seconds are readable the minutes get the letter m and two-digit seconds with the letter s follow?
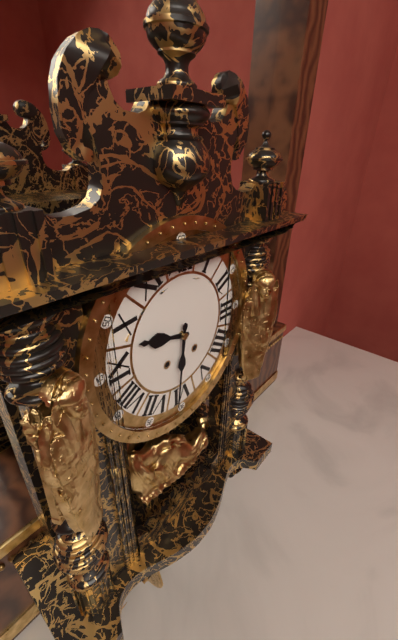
9h31
